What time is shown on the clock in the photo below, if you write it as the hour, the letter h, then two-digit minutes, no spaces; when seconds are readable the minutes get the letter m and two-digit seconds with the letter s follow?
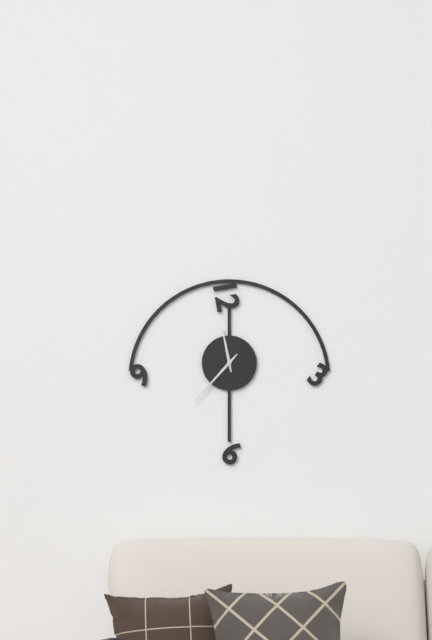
11h37
